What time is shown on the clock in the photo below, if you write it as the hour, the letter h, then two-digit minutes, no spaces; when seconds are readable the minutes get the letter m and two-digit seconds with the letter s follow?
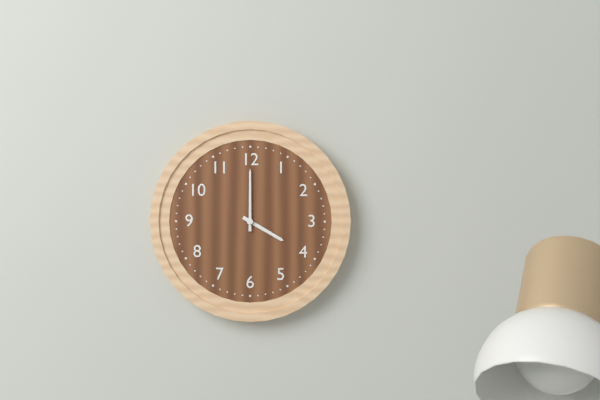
4h00
